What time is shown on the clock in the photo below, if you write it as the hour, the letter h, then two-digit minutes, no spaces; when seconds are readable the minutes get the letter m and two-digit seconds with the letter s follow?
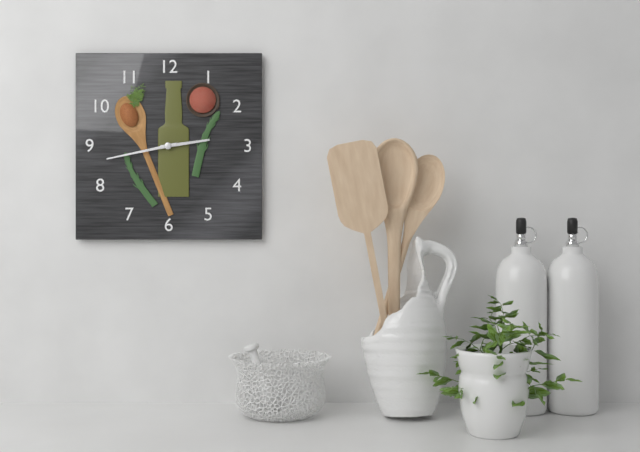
2h43
